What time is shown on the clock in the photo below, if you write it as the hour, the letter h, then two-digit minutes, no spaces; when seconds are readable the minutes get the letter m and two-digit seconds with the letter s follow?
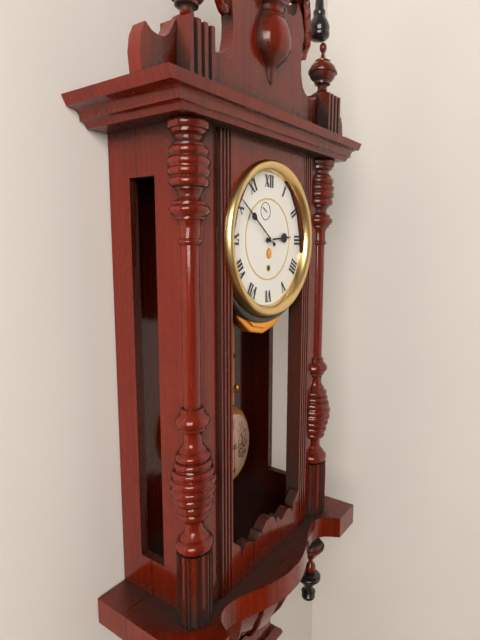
2h51
